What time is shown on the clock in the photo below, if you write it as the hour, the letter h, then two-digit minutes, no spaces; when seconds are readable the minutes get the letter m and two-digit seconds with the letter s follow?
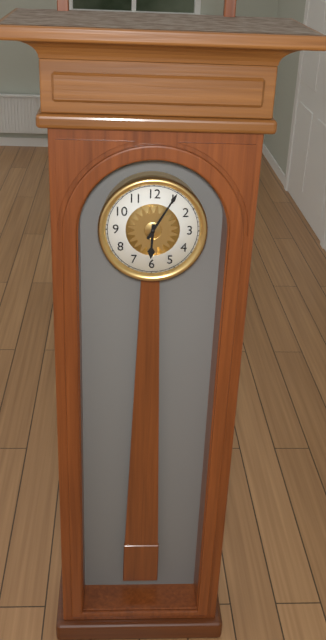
6h05
